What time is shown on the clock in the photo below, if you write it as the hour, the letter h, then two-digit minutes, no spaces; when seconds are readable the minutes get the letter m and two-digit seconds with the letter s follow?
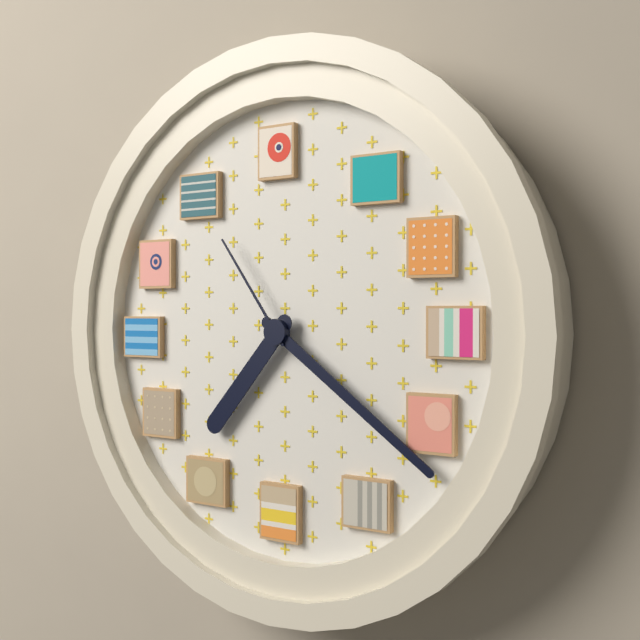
7h21m54s
